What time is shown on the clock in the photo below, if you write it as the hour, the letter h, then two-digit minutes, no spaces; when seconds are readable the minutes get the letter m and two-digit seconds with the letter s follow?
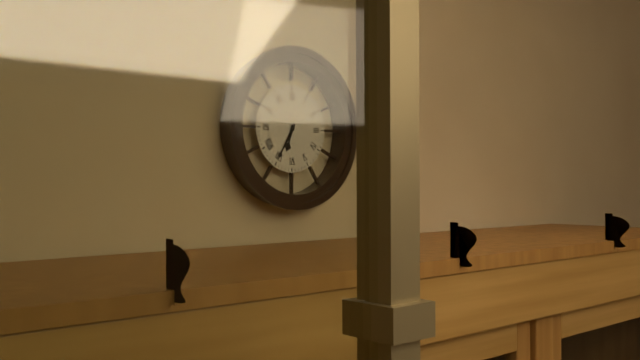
6h35
